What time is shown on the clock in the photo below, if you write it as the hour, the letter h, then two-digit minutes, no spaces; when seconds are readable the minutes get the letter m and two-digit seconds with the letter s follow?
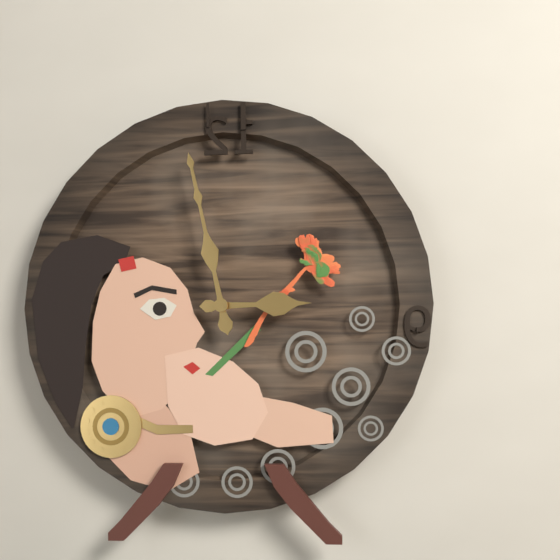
2h58
